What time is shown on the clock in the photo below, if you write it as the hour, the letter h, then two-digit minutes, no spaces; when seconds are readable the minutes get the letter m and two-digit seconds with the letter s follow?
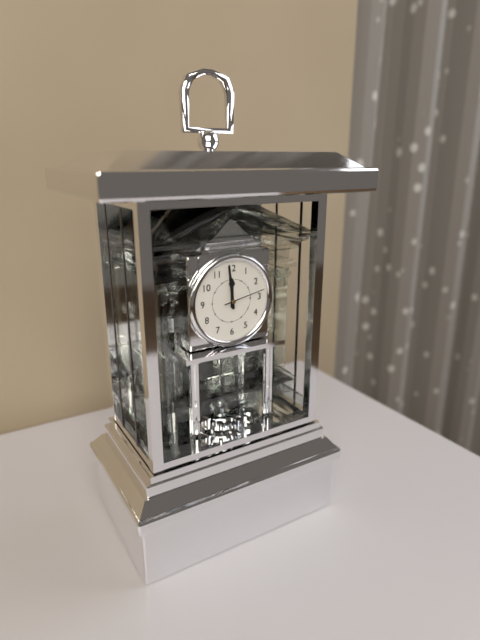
11h59
